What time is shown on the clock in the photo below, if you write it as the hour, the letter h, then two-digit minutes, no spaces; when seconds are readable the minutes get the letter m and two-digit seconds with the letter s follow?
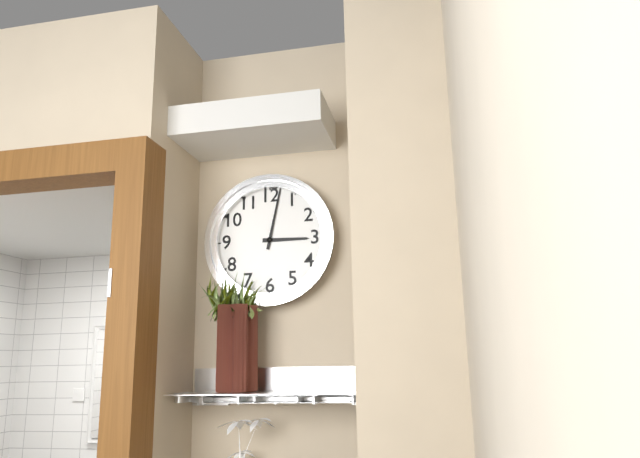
3h02
